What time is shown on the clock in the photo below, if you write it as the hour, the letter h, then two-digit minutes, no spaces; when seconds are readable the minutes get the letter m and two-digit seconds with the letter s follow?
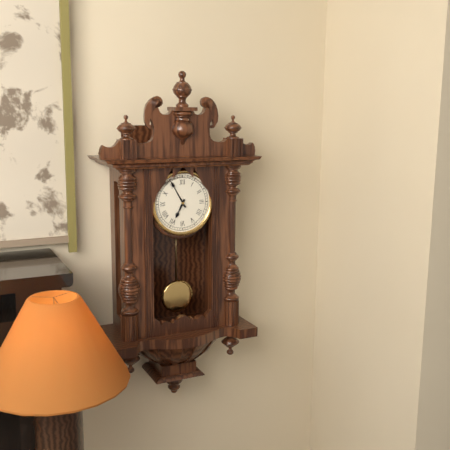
6h55
